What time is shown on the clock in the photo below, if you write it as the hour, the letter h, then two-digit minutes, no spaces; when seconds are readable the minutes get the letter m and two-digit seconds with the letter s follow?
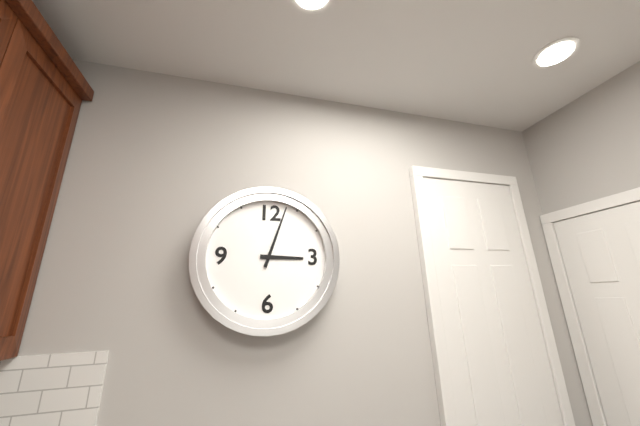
3h03
